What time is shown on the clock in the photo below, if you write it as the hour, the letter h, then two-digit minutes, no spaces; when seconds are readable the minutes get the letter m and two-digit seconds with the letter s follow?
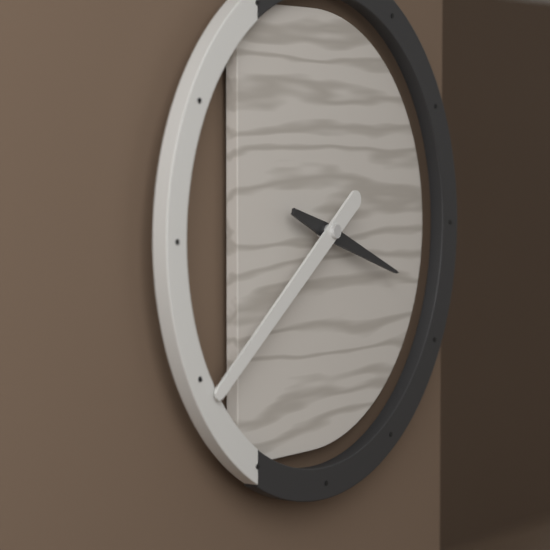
3h39
